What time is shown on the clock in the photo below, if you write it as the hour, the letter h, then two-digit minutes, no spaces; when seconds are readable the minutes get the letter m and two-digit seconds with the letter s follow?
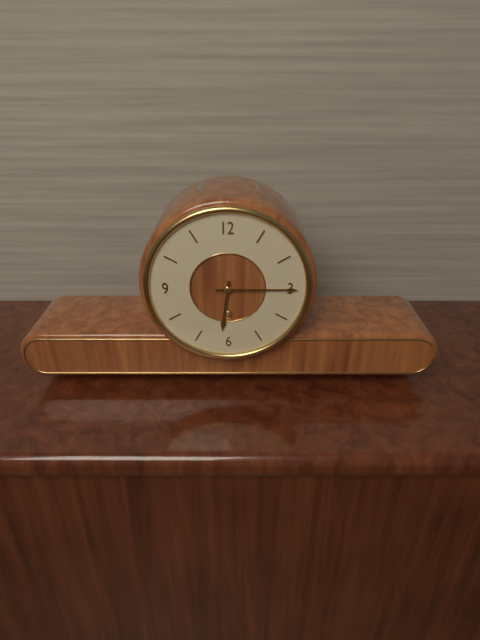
6h15
